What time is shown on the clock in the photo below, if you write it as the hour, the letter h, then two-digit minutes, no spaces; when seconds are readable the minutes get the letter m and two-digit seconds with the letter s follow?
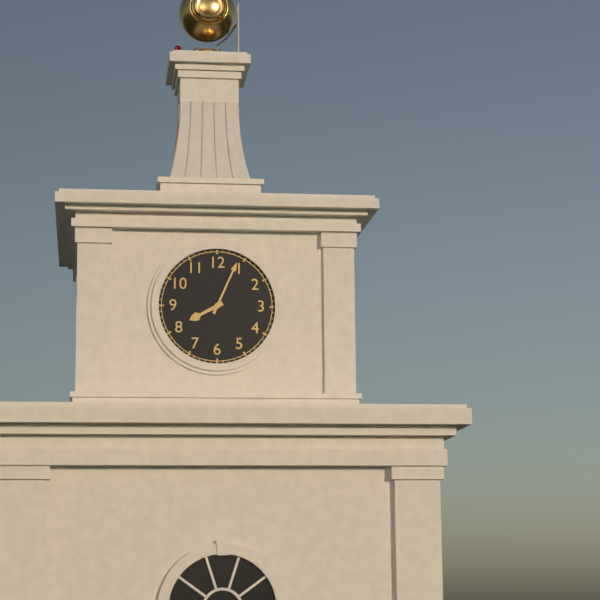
8h04
